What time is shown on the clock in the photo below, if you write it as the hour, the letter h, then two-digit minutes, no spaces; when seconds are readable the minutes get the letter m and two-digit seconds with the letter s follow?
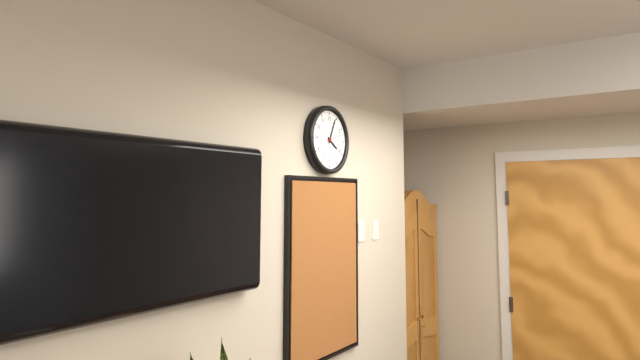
4h04
